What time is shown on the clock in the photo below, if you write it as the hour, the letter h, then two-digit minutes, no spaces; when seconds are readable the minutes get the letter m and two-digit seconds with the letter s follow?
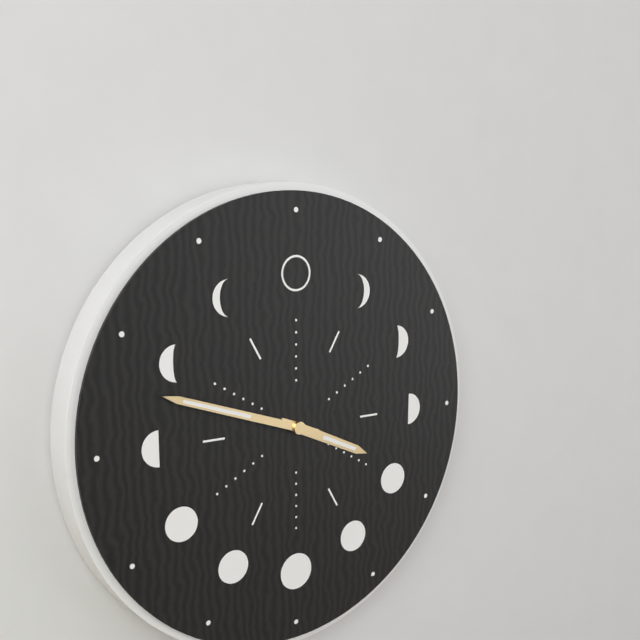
3h48
